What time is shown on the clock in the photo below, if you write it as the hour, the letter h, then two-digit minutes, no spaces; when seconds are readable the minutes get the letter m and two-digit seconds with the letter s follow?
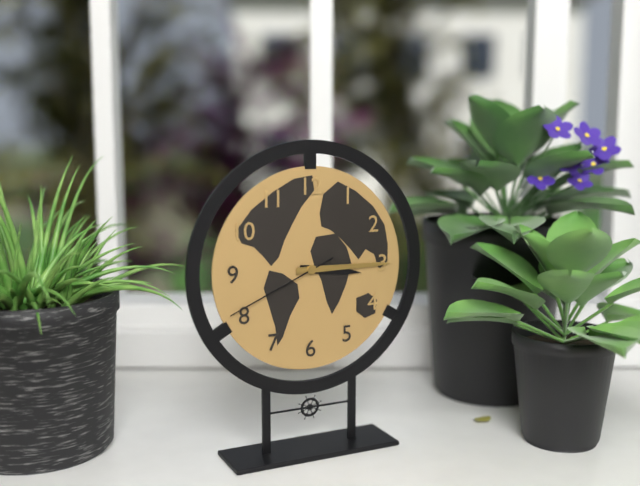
3h15m41s
